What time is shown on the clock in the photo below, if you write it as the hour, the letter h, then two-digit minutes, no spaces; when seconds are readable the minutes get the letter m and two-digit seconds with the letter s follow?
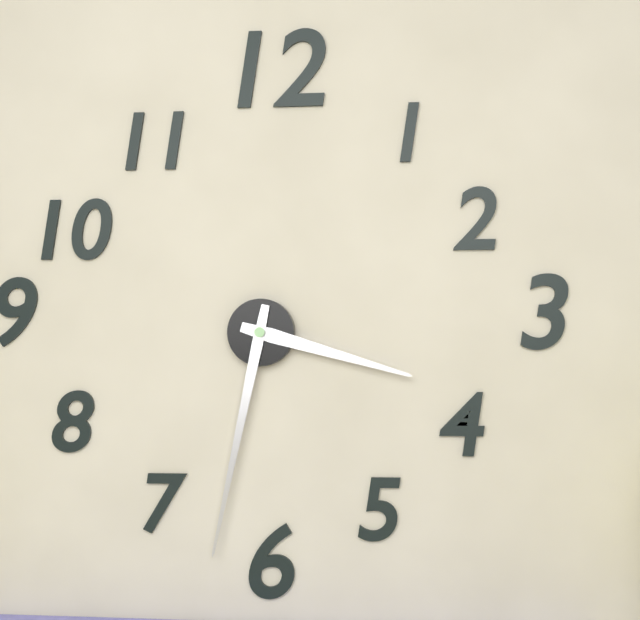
3h32
